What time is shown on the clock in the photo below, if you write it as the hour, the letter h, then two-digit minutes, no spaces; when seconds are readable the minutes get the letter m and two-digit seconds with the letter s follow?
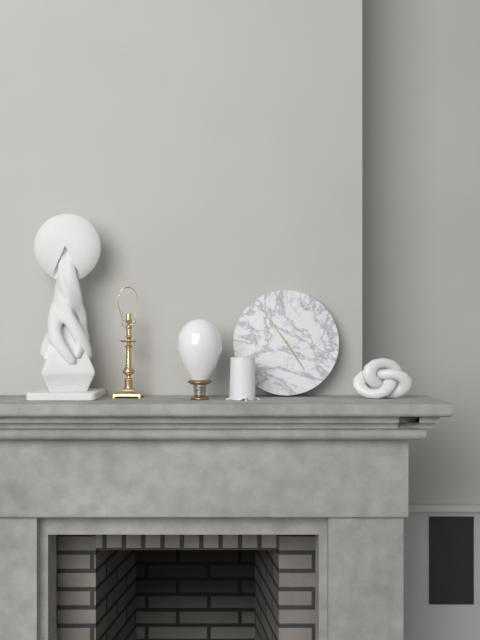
4h54
